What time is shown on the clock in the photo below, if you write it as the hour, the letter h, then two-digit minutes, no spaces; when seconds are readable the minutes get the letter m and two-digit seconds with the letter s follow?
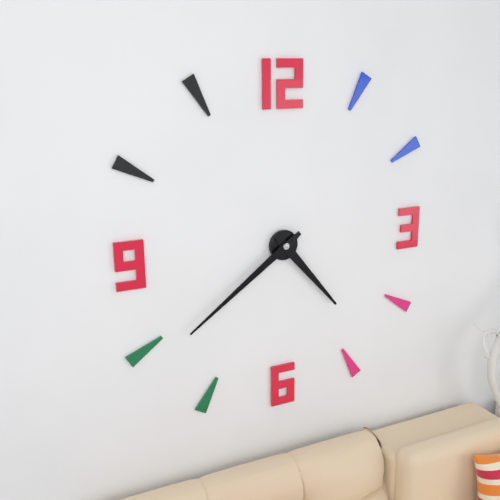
4h39
